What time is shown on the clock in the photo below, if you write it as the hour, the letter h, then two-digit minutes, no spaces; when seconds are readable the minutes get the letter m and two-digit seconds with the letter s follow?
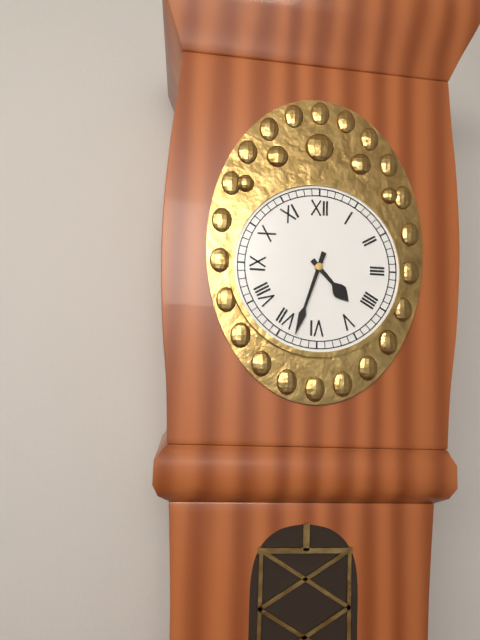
4h33
